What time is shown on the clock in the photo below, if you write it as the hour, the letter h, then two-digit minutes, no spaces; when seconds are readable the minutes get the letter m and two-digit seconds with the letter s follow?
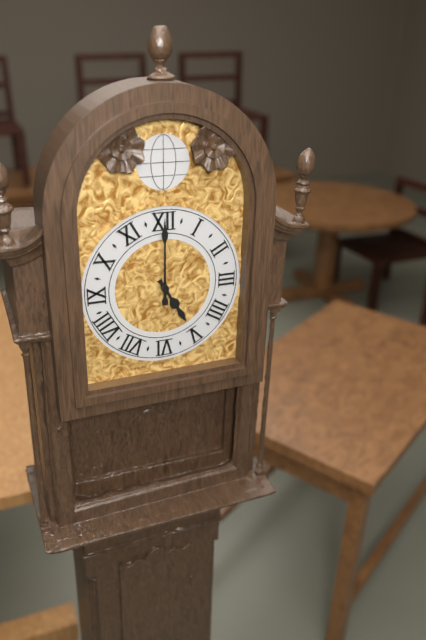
5h00
